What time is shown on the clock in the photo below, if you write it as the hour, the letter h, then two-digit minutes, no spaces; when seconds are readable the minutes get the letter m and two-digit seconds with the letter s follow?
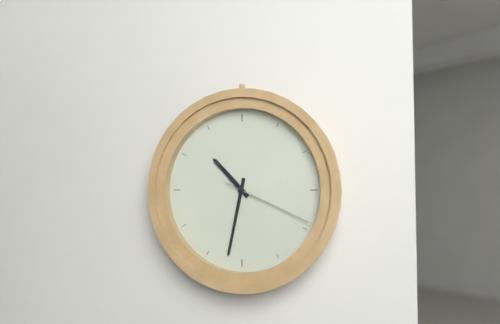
10h32m19s
